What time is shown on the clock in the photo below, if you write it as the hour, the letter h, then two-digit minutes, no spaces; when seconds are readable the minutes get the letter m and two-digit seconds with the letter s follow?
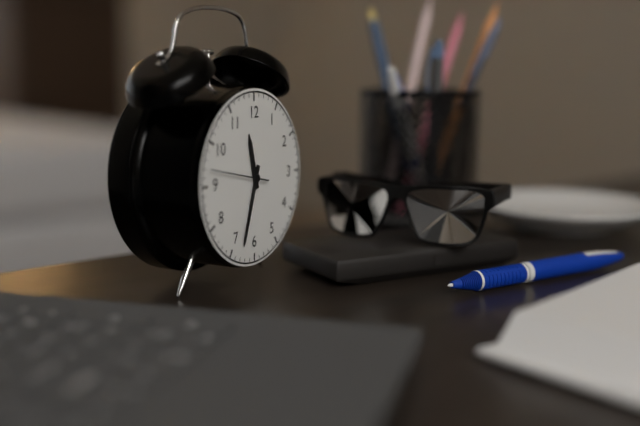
11h33m47s
